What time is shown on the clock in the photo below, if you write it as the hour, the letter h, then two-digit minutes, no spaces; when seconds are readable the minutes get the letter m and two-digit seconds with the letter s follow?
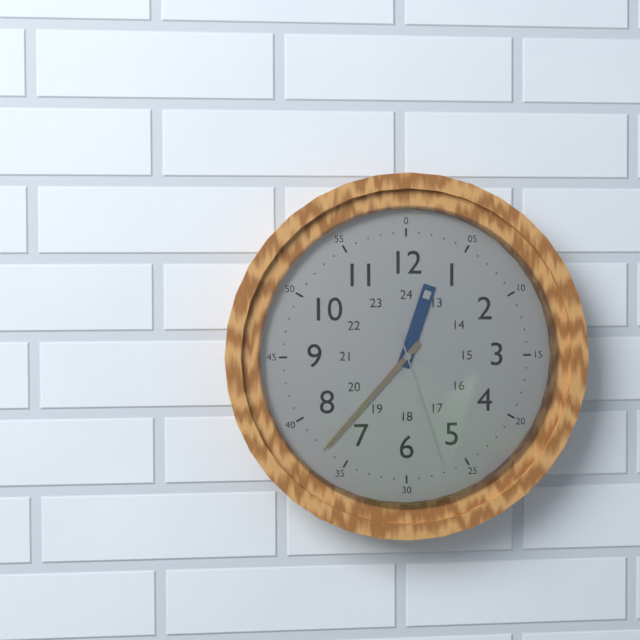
12h37m27s
